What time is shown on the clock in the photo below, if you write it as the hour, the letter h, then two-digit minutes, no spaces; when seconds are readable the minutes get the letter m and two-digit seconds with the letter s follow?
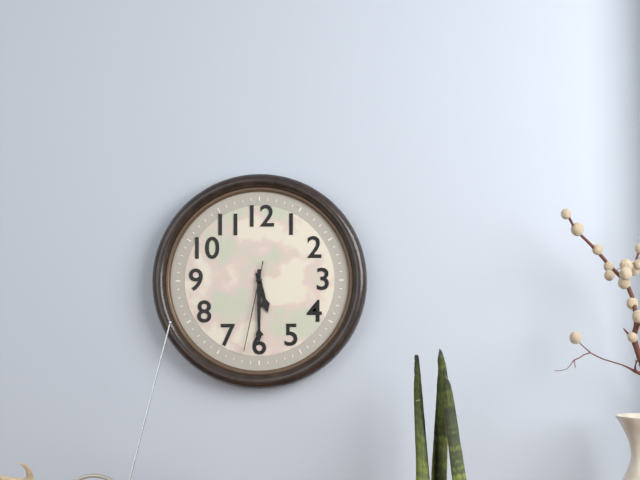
5h30m32s
